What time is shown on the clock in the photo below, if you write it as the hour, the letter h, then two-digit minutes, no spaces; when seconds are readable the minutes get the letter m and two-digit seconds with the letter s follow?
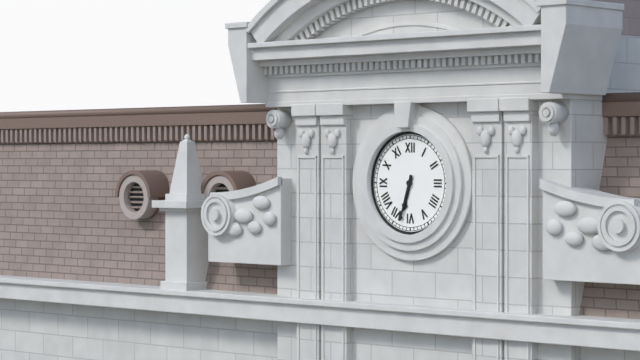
6h33
